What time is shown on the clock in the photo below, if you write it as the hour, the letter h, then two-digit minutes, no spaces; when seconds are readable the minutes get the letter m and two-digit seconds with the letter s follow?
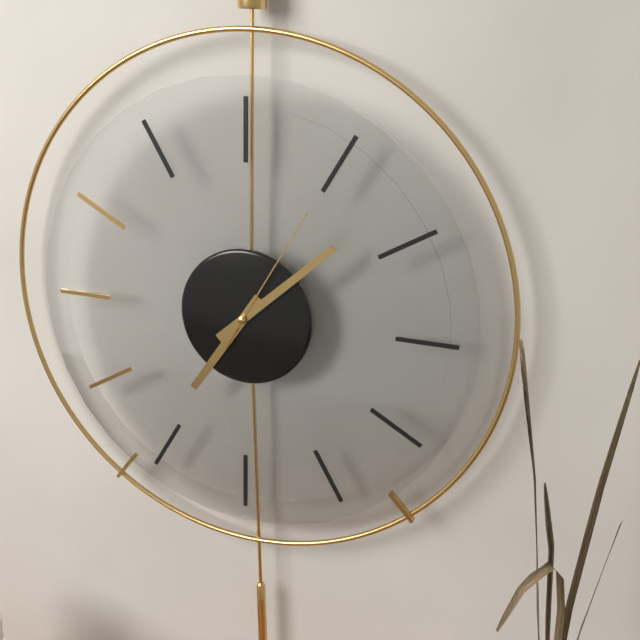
7h08m05s
